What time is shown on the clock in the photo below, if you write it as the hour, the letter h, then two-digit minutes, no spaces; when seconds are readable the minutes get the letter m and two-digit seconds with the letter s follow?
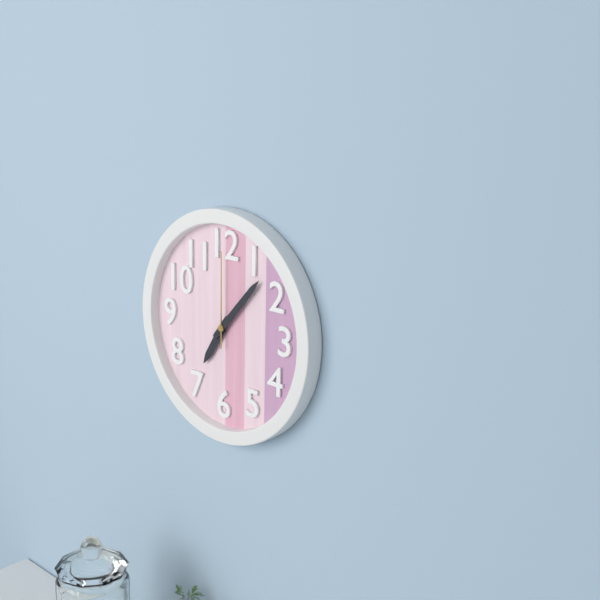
7h07m00s
